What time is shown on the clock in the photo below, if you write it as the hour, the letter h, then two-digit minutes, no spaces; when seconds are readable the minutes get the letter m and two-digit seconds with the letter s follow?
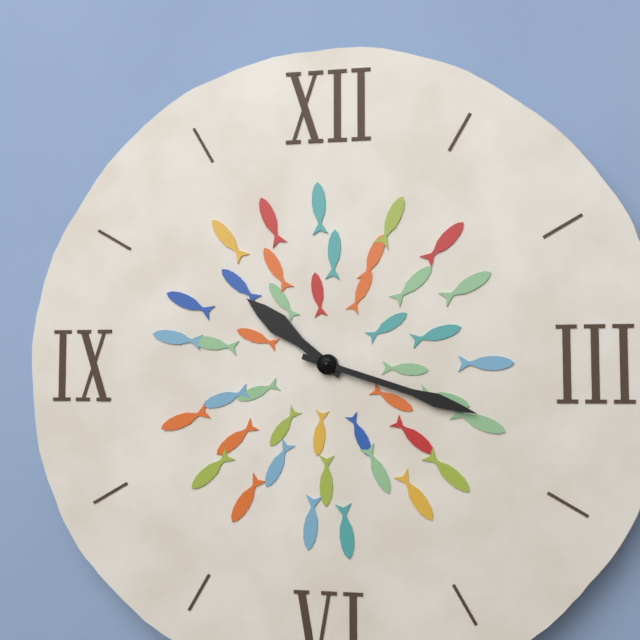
10h18
